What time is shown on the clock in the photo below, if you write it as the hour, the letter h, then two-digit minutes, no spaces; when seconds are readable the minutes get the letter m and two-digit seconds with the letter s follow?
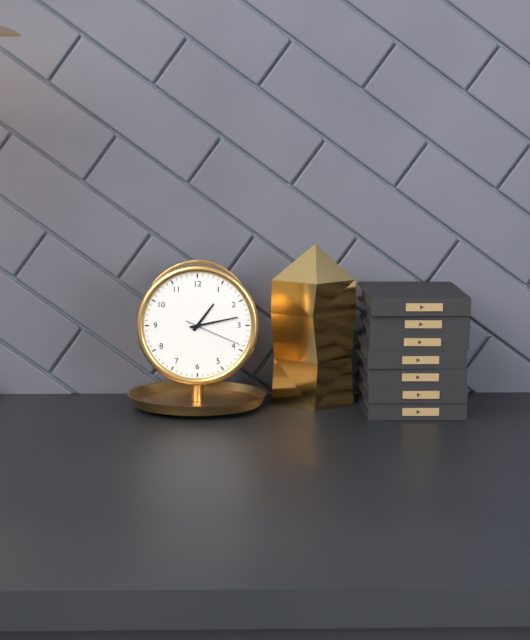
1h13m19s
